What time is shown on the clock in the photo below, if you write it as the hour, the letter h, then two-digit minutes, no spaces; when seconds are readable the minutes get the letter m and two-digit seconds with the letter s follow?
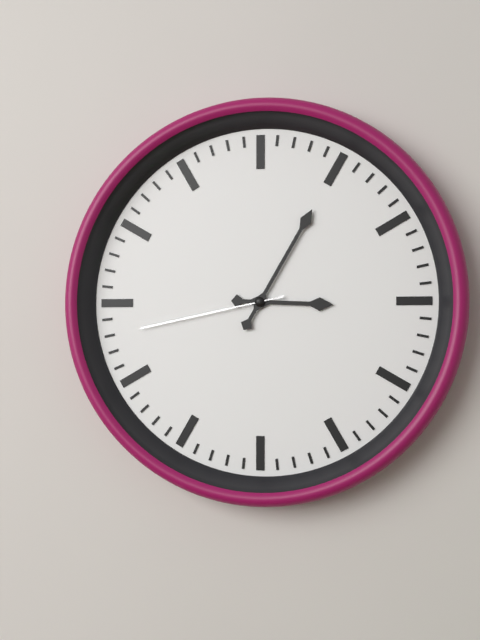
3h05m43s
